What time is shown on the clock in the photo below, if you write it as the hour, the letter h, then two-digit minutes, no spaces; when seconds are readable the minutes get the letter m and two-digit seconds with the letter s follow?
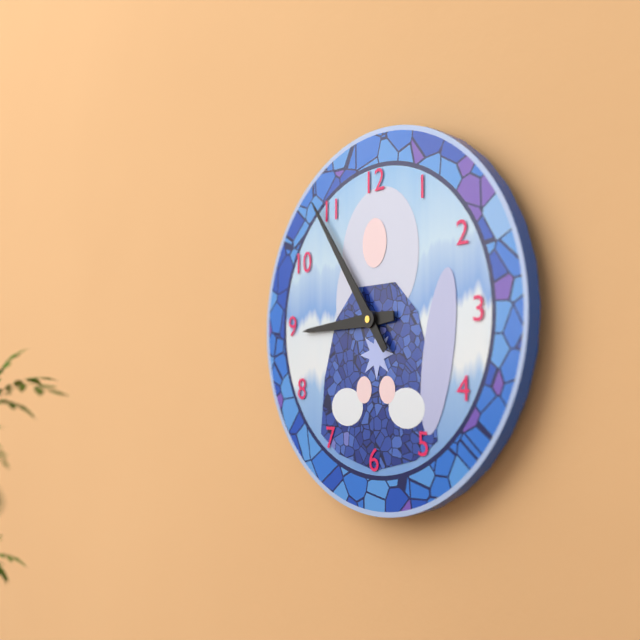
8h54
